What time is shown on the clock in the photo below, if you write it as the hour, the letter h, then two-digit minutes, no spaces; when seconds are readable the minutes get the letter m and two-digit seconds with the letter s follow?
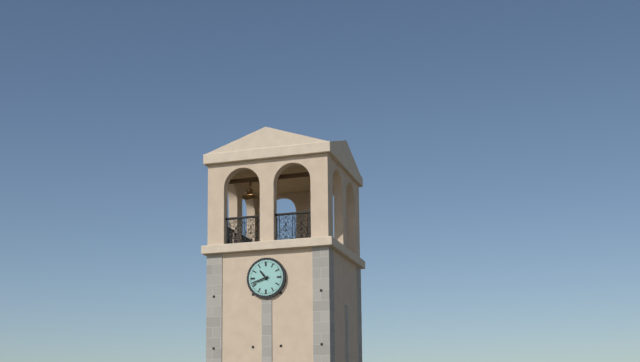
10h42
